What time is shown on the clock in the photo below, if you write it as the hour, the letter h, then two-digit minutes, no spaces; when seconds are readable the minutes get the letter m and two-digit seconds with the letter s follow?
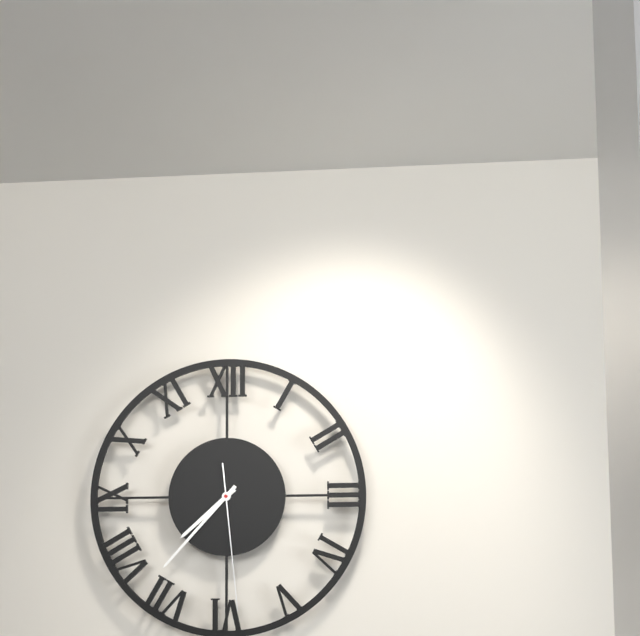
7h37m29s
